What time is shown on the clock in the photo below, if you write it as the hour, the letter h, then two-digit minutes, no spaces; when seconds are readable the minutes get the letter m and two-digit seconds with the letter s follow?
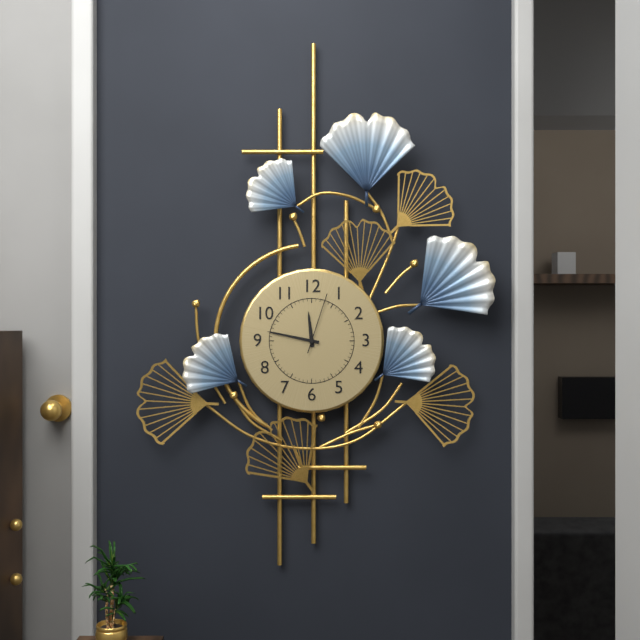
11h47m03s
